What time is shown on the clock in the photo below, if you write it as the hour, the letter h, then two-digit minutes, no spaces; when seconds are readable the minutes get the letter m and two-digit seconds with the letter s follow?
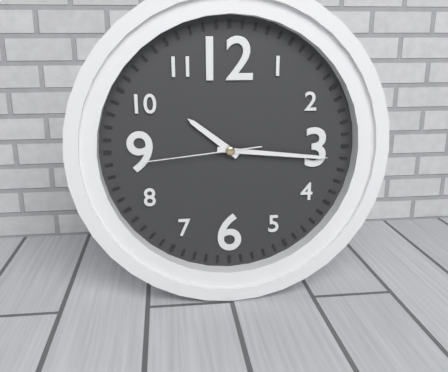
10h16m44s
